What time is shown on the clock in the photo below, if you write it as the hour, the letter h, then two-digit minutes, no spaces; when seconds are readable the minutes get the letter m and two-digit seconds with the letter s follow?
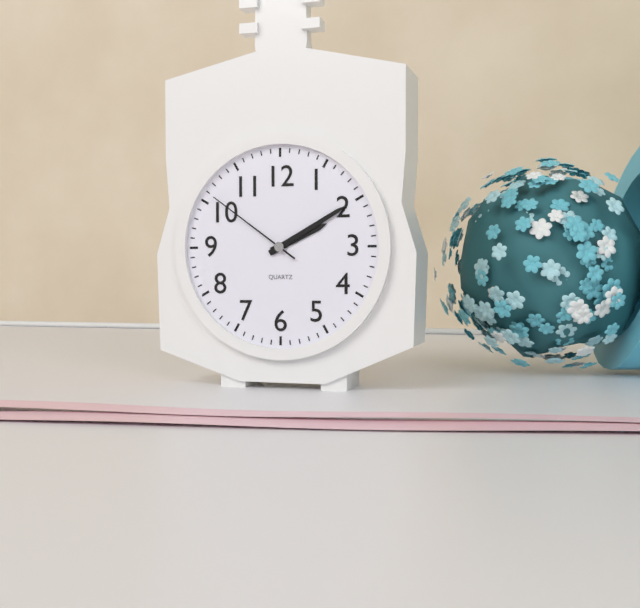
2h10m51s
